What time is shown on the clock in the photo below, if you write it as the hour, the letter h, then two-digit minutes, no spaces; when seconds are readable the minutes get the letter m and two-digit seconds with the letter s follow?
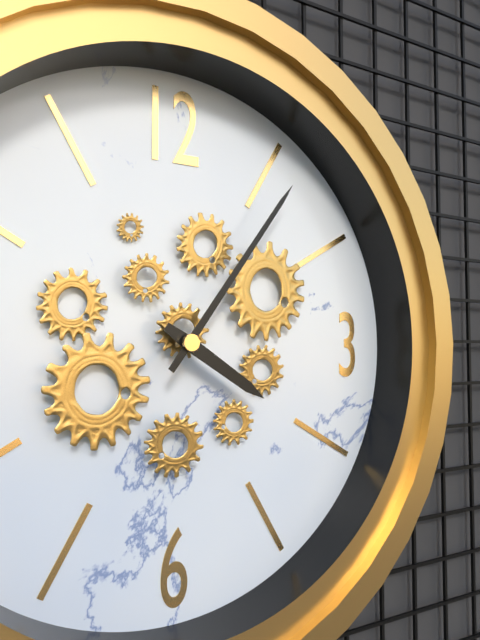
4h06
